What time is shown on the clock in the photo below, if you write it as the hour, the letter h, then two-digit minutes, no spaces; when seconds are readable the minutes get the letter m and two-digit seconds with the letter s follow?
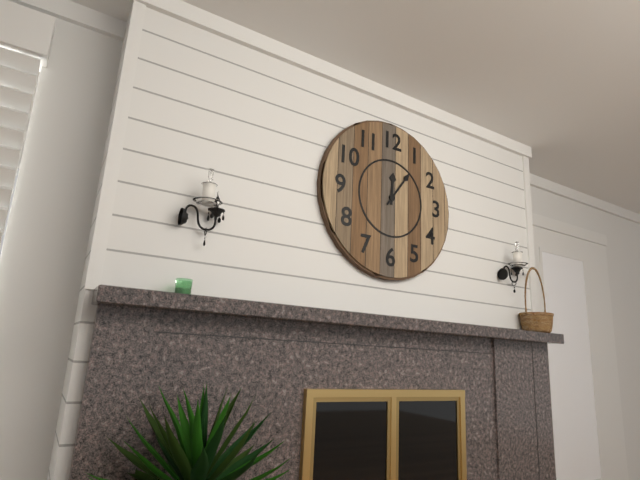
12h06
